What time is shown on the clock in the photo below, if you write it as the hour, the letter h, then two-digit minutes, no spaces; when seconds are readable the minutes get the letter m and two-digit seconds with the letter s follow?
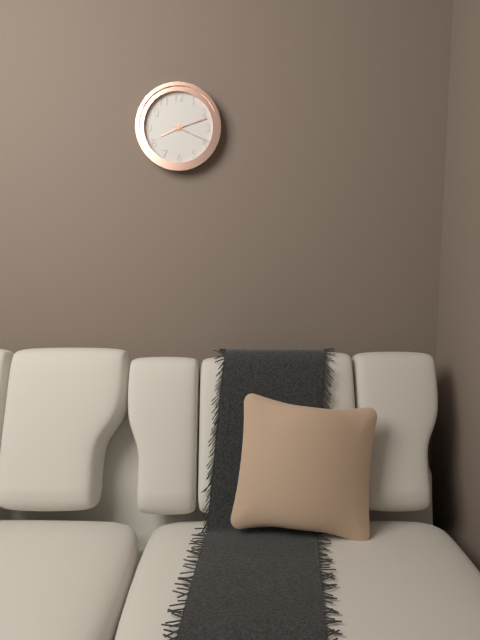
8h12
